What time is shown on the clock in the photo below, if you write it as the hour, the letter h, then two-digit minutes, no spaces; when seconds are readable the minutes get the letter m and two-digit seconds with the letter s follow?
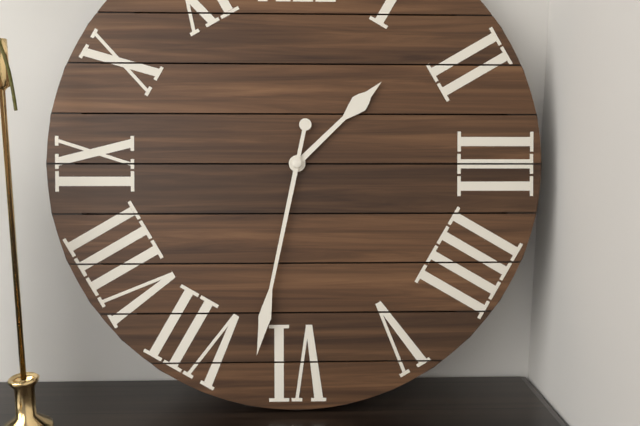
1h32
